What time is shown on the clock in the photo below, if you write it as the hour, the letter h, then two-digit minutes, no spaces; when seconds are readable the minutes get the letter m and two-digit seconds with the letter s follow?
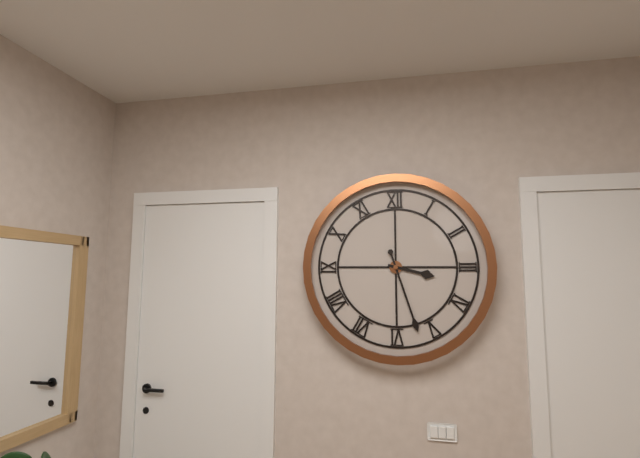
3h27
